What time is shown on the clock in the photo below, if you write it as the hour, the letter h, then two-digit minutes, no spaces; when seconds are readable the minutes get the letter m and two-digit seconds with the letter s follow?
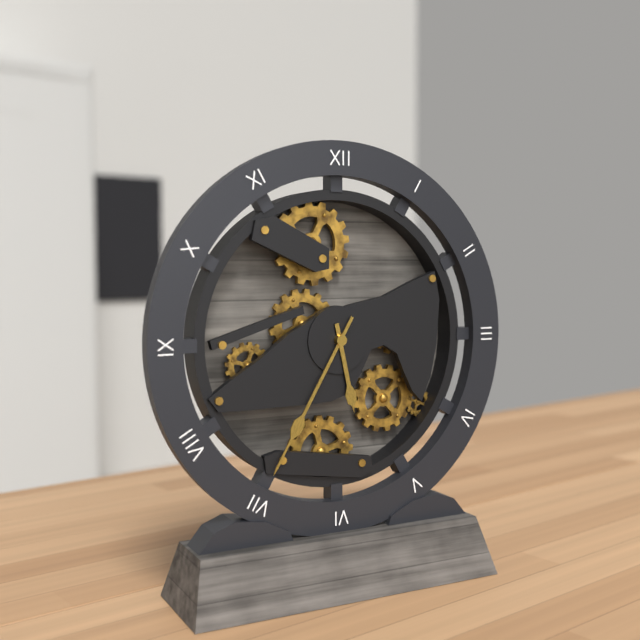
5h35
